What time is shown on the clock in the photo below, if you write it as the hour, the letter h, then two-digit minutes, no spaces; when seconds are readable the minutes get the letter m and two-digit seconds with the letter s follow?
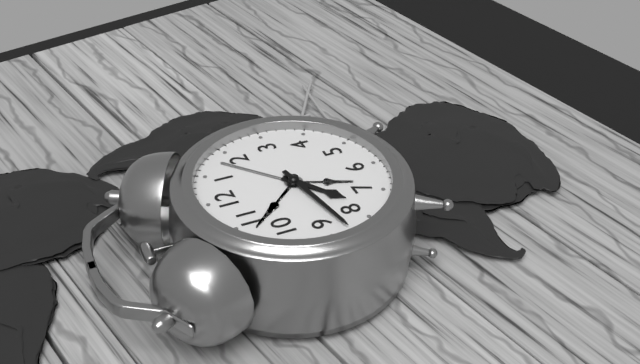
7h43
